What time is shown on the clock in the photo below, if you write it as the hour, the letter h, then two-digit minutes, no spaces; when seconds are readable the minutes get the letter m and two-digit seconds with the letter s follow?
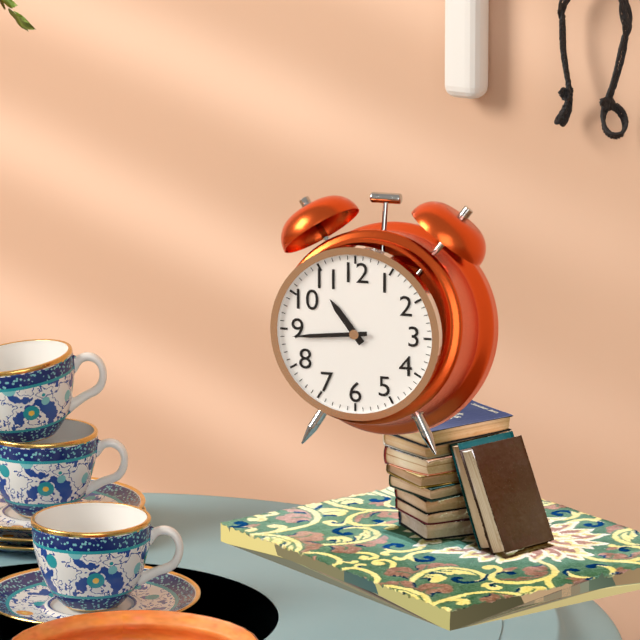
10h44
